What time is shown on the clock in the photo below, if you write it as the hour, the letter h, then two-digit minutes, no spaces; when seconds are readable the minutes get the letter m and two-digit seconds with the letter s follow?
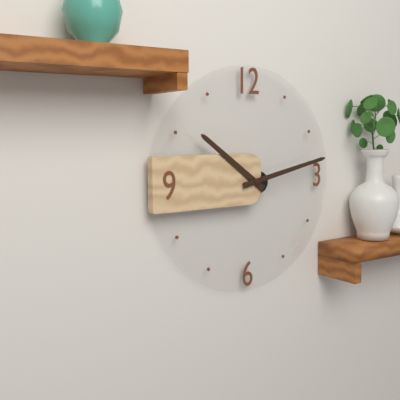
10h13
